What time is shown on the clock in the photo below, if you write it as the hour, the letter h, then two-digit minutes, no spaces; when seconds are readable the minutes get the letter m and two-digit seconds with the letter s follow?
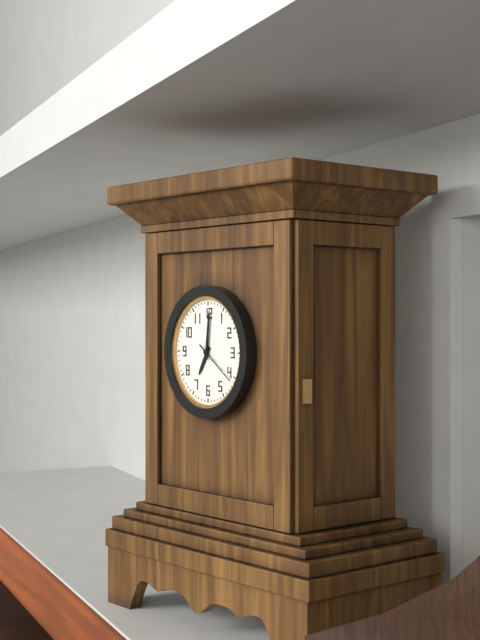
7h01m21s
